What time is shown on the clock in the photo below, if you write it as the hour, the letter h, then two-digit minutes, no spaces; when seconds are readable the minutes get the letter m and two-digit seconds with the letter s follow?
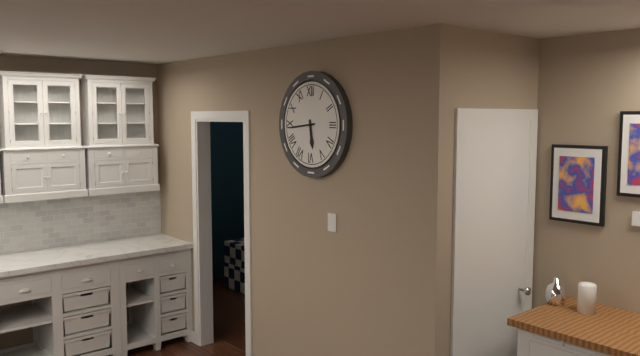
5h44
